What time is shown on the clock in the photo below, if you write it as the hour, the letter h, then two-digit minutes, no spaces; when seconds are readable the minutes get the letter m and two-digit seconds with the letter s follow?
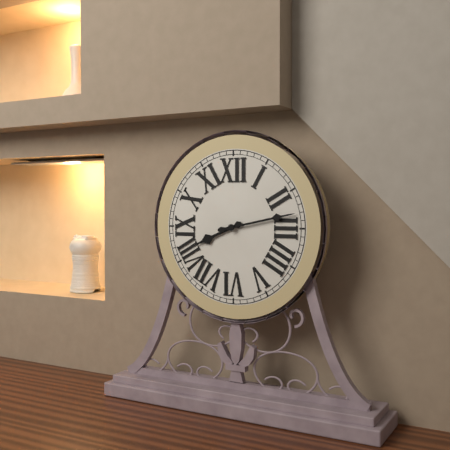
8h13
